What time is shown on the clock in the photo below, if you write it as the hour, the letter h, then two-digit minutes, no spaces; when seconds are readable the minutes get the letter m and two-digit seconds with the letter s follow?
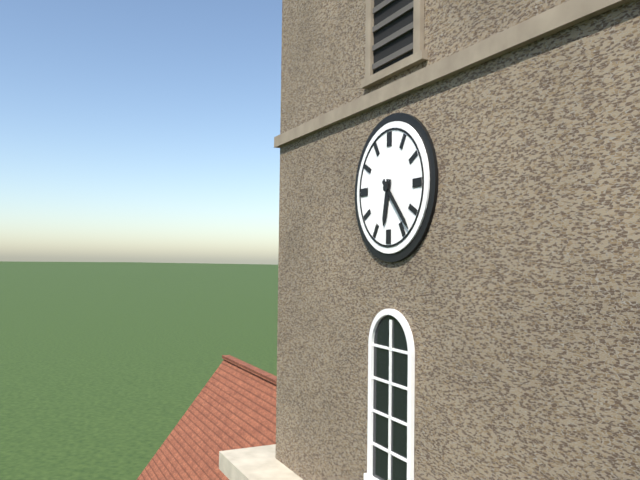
6h23
